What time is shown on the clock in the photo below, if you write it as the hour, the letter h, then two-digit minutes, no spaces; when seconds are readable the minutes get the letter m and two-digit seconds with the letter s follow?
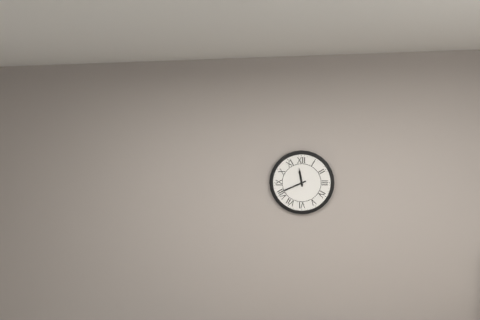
11h41
